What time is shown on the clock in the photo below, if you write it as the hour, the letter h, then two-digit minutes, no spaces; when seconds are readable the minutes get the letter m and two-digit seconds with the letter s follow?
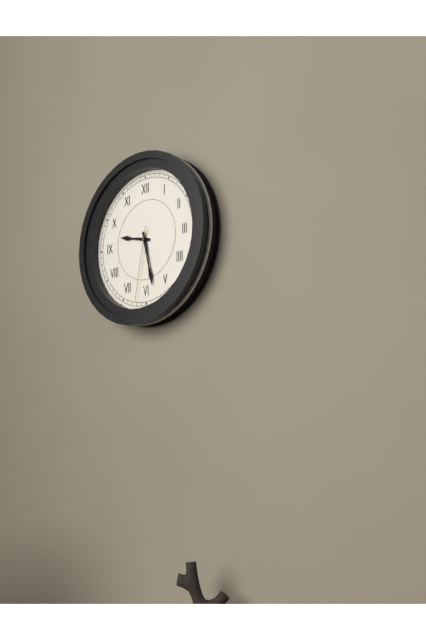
9h28m32s
